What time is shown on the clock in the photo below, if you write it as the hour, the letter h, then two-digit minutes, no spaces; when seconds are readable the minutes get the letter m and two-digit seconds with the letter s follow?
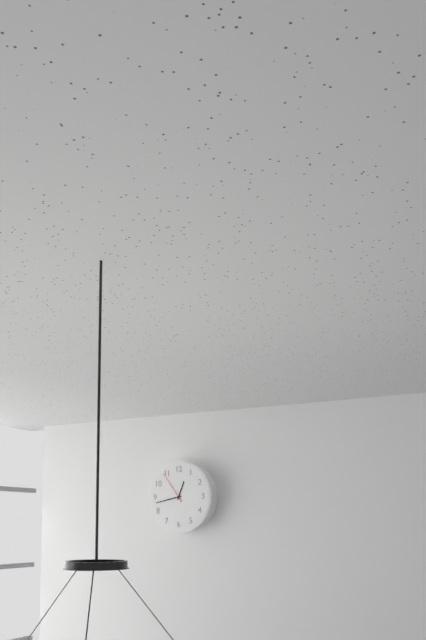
12h43
